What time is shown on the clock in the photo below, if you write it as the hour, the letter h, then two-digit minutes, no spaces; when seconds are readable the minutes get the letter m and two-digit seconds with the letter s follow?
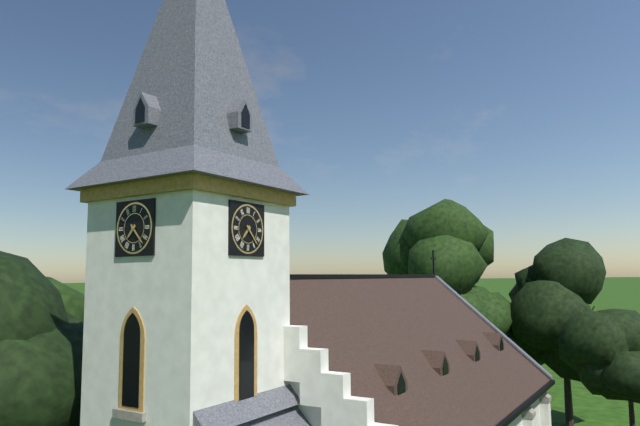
7h23
